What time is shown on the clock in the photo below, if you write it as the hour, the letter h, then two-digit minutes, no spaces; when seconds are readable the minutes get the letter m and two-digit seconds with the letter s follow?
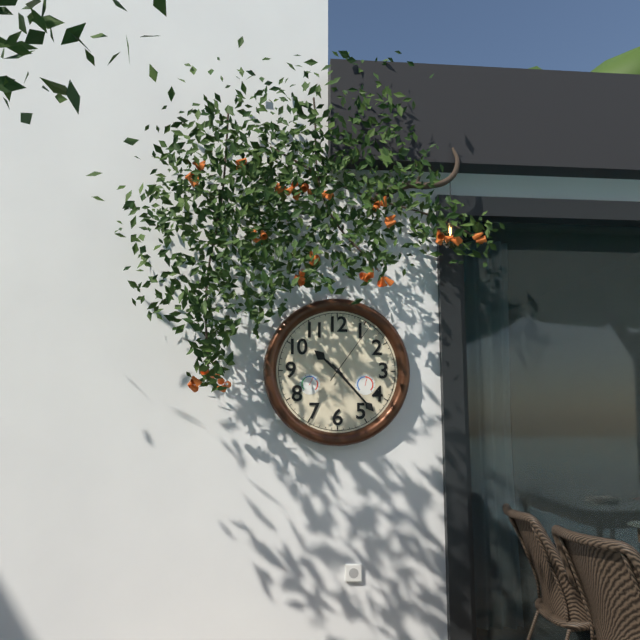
10h23m06s
